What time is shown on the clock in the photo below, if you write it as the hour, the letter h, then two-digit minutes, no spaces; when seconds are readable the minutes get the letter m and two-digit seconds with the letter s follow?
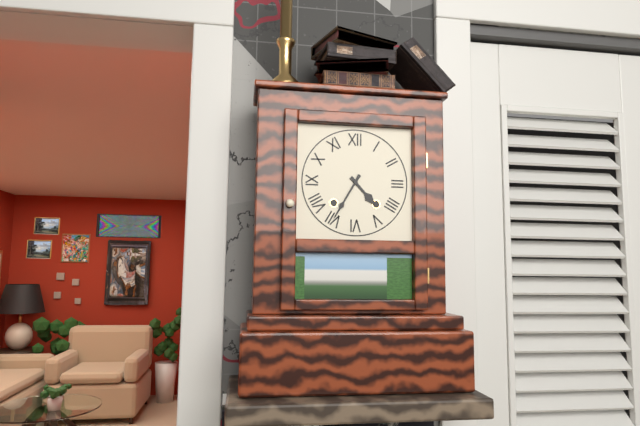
4h35
